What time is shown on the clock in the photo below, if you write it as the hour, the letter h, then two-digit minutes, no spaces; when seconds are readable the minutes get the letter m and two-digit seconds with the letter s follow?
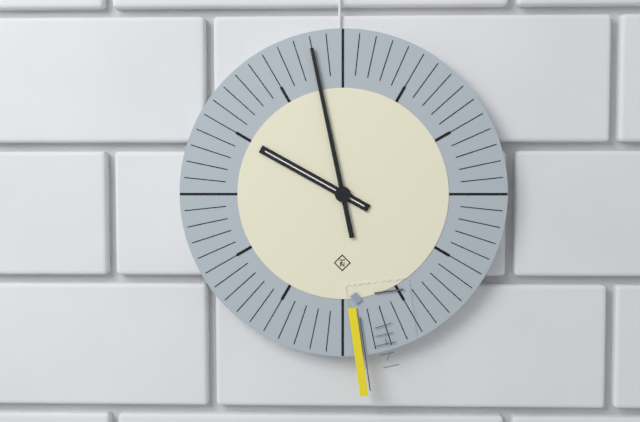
9h58
